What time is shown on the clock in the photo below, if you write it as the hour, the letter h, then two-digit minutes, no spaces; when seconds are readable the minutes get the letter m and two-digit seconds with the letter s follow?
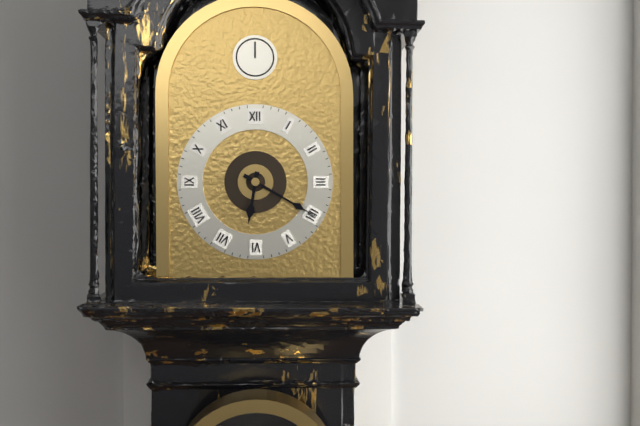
6h20
